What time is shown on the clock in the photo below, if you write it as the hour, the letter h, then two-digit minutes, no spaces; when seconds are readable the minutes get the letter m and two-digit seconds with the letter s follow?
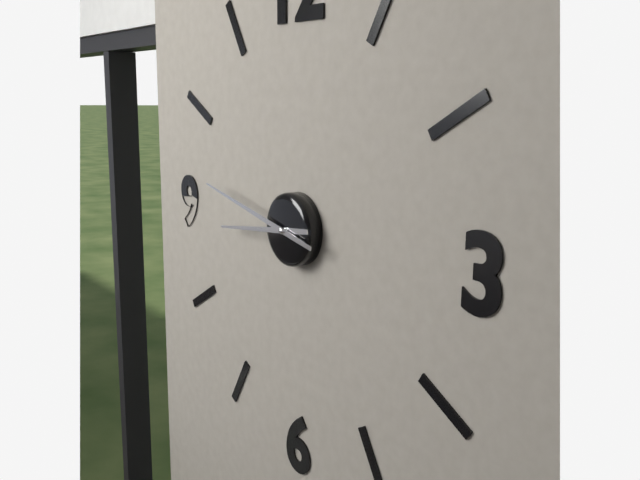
8h47
